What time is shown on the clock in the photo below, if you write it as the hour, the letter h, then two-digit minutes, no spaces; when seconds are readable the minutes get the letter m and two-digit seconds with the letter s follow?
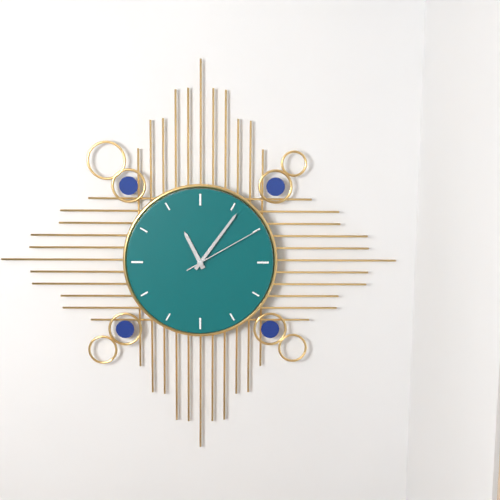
11h06m10s
